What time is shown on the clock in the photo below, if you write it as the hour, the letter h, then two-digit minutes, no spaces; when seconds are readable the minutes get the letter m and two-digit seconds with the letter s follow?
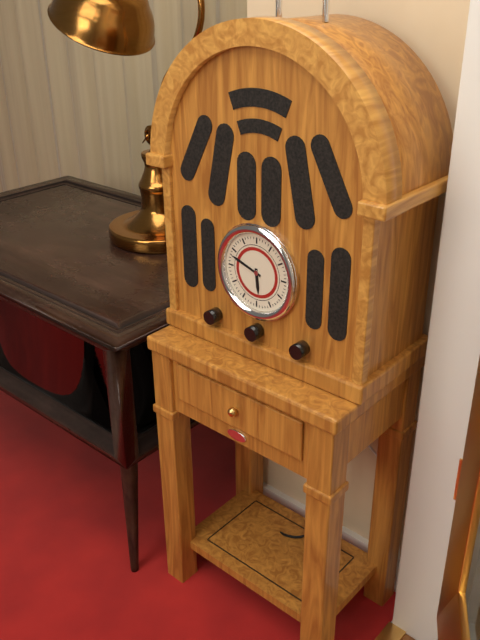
5h48
